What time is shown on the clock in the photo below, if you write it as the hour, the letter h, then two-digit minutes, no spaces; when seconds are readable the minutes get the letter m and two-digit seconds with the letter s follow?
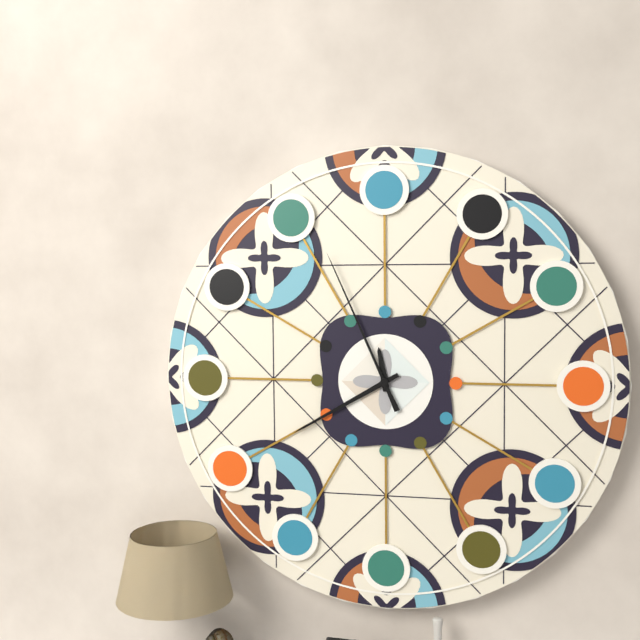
11h40m56s
